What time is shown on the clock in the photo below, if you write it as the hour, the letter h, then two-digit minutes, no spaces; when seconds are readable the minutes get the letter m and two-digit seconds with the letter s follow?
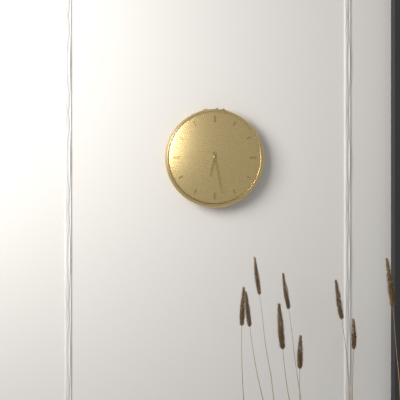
6h28
